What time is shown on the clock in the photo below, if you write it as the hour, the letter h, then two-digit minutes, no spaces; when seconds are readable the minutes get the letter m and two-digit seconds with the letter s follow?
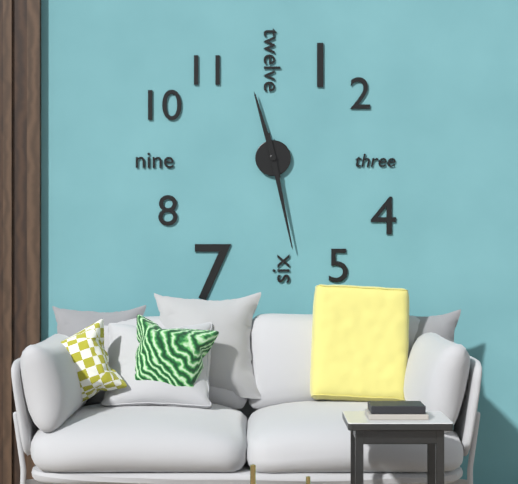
11h28
